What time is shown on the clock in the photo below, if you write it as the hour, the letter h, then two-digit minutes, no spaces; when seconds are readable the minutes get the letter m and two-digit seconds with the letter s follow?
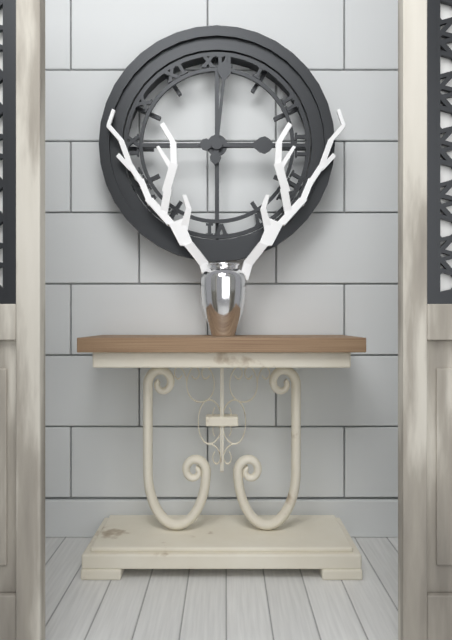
3h01
